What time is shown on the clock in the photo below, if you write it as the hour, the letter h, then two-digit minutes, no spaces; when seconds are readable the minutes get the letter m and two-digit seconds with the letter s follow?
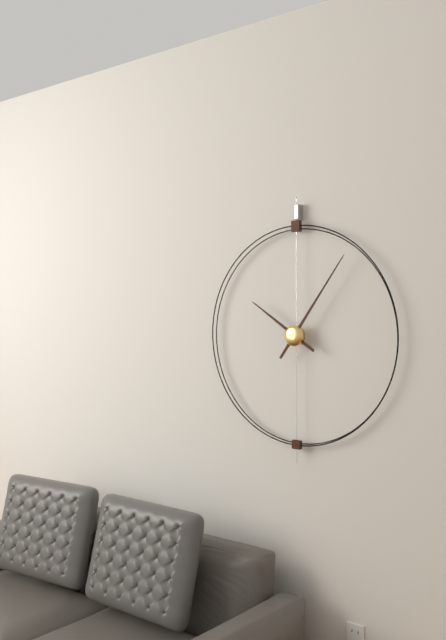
10h06
